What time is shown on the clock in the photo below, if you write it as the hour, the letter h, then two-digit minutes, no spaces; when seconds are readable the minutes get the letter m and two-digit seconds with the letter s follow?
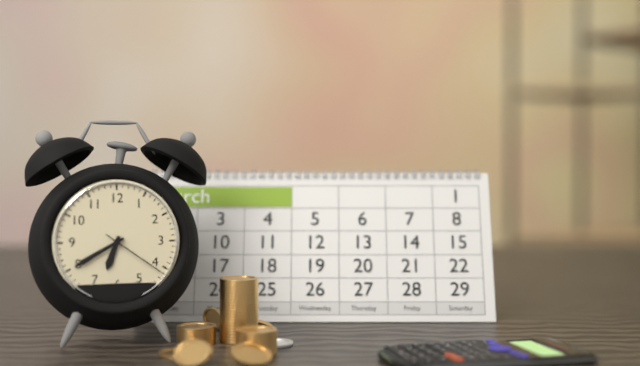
6h40m21s
